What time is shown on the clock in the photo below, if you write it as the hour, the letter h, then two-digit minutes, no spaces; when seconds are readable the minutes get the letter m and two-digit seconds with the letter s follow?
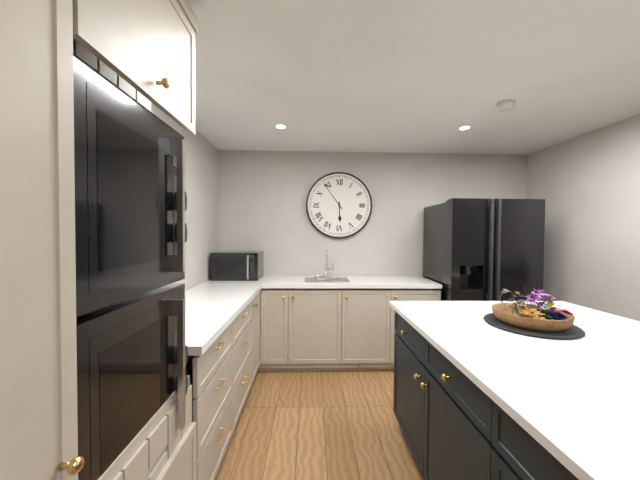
5h54
